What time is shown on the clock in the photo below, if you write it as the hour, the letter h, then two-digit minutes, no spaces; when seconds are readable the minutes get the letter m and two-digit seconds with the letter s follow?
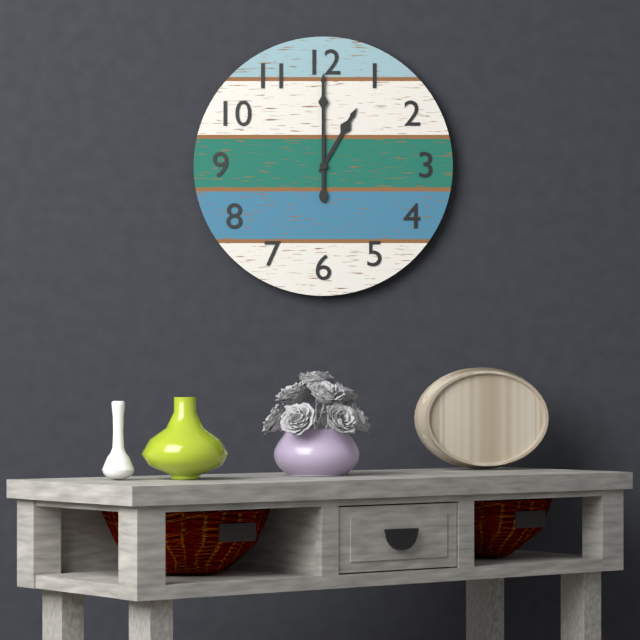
1h00
